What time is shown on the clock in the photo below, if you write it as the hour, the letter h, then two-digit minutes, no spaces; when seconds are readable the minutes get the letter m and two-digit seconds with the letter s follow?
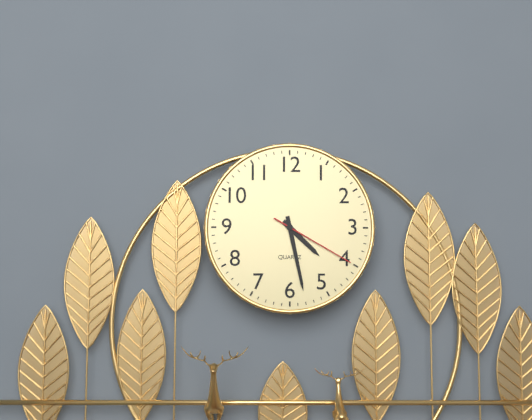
4h28m20s
